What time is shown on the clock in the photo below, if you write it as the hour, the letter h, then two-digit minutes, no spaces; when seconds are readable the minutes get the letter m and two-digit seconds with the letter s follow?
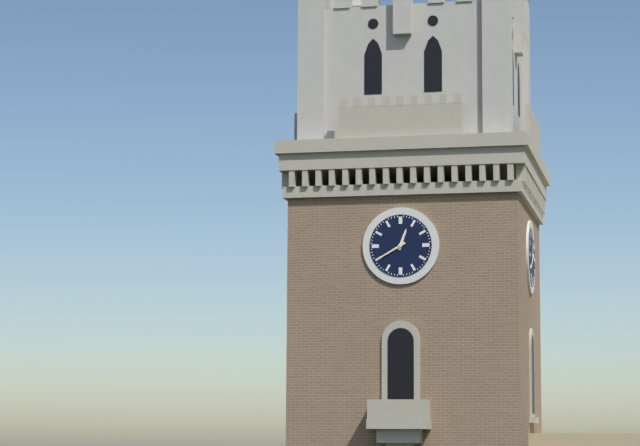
12h40
